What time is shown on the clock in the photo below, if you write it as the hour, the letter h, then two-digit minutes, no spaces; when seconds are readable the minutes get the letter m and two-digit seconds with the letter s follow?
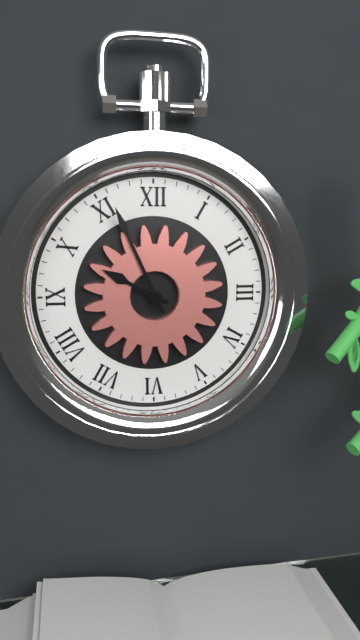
9h56
